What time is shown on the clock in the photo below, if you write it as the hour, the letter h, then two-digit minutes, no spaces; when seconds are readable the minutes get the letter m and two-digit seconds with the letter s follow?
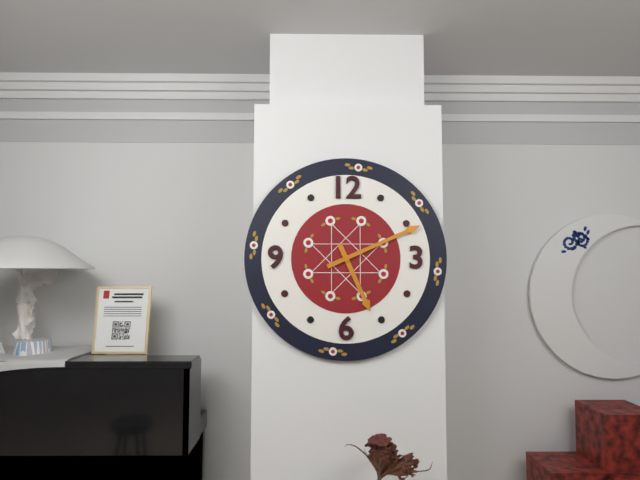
5h11
